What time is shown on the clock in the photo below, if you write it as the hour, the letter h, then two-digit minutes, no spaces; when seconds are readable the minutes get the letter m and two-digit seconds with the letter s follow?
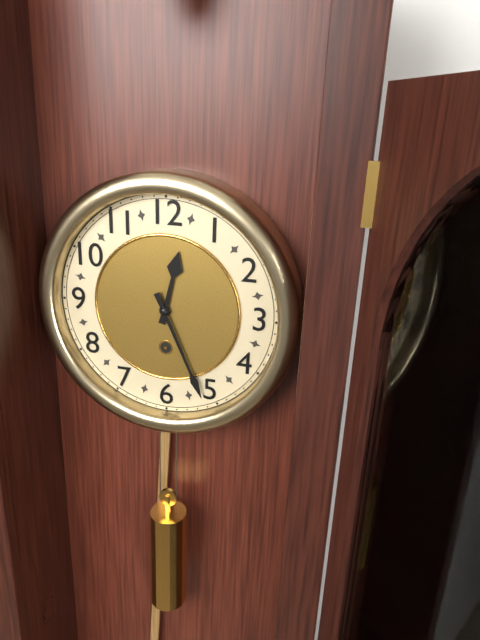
12h26
